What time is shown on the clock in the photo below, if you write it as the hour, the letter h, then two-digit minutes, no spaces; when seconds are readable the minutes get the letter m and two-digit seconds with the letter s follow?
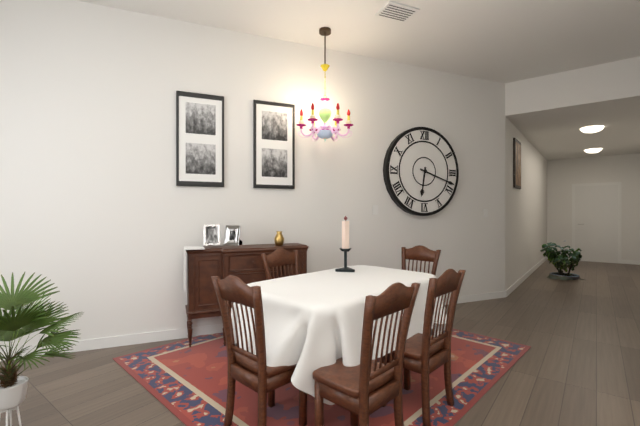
6h18
